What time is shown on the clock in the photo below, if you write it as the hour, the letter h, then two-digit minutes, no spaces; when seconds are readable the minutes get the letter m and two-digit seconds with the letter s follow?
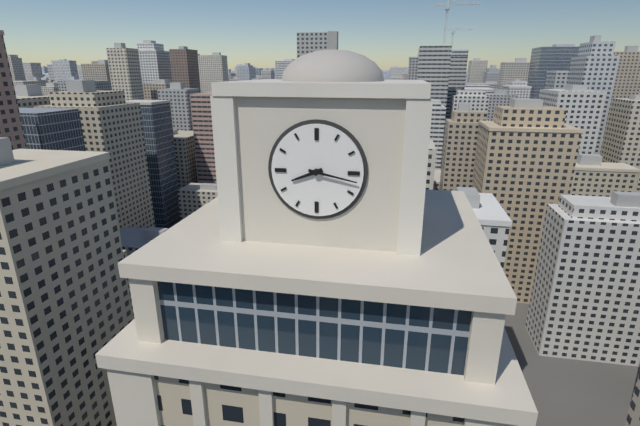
8h17
